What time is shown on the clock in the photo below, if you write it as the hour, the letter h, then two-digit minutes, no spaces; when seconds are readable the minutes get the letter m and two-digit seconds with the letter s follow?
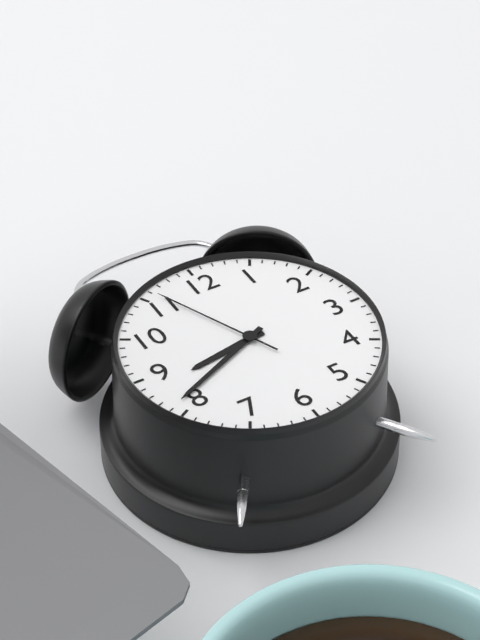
8h41m56s
